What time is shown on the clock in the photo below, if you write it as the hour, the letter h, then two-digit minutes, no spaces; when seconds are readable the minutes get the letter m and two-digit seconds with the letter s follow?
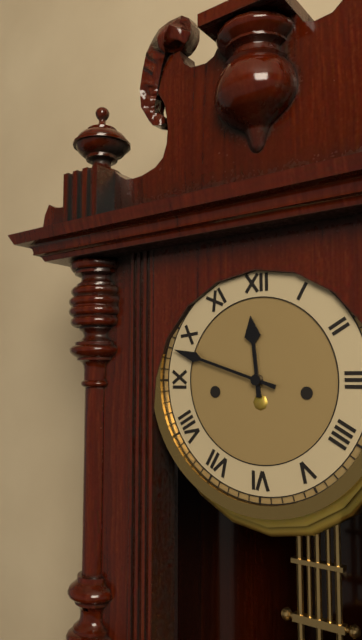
11h48
